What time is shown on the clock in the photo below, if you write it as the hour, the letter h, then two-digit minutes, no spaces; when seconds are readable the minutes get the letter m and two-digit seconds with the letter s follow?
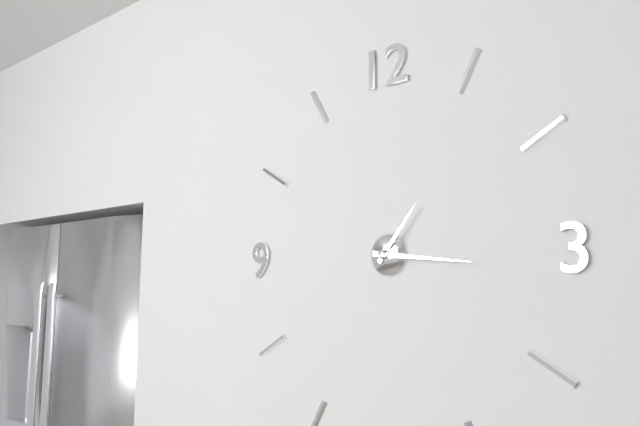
1h16
